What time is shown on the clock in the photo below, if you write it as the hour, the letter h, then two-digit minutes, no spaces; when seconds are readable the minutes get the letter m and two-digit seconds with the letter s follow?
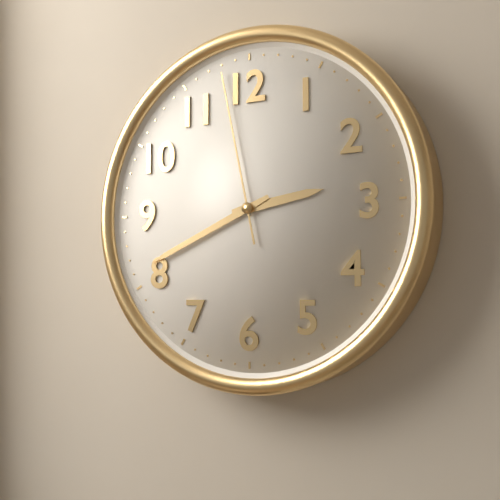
2h41m58s
